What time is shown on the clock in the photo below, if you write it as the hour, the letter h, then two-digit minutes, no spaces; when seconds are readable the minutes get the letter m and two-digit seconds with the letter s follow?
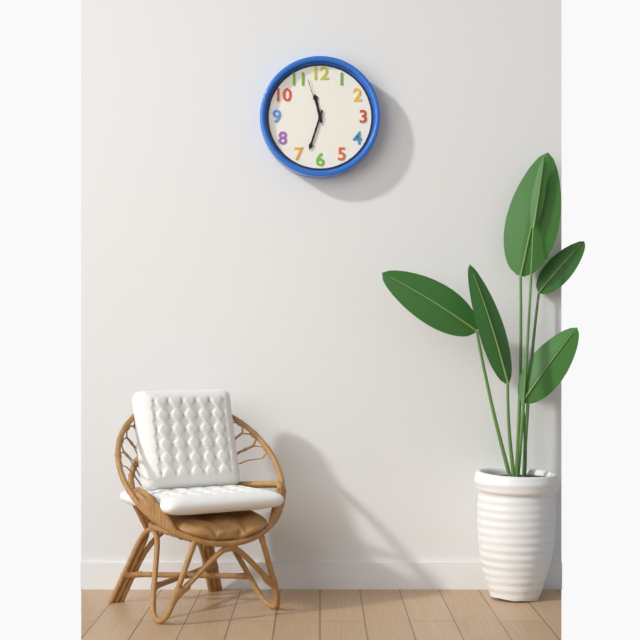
11h33m57s
